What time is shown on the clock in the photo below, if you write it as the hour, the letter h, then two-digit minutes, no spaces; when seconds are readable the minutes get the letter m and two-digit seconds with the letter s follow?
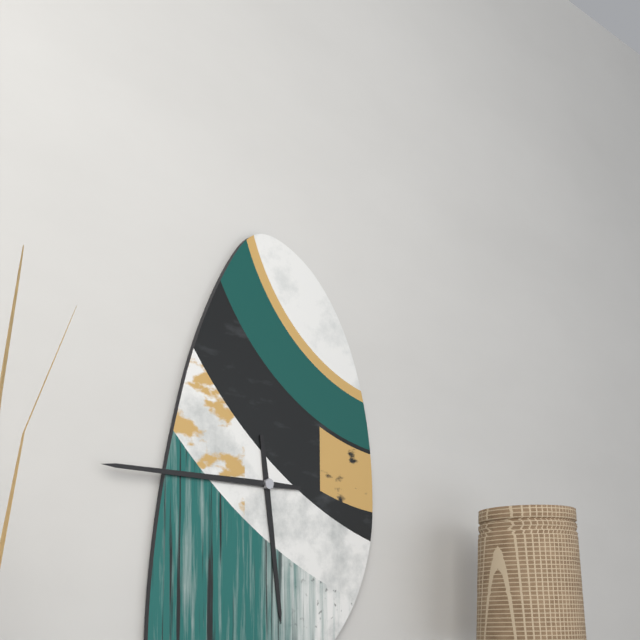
5h45
